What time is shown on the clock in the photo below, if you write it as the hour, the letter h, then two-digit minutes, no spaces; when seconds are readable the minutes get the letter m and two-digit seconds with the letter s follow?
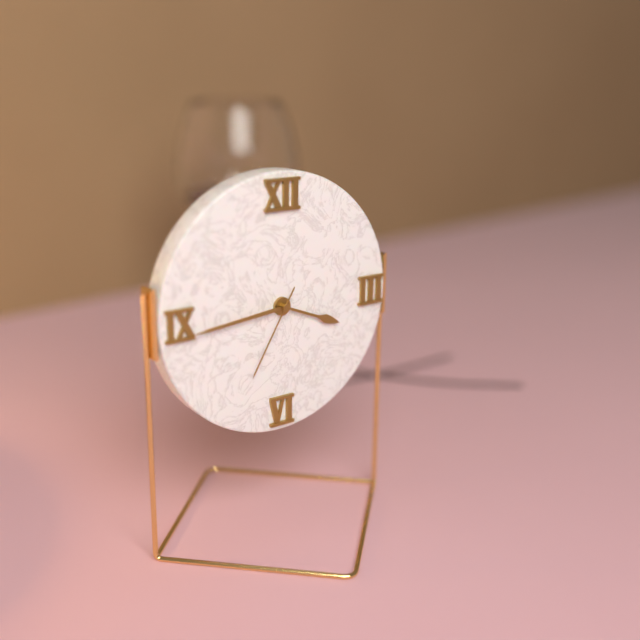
3h44m35s
